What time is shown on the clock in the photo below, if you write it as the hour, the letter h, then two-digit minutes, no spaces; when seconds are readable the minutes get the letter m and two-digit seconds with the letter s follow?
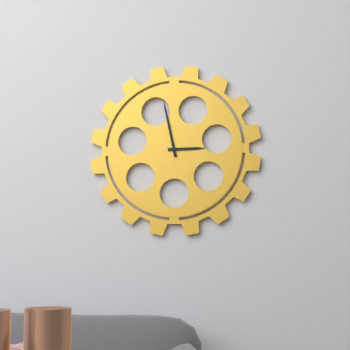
2h58
